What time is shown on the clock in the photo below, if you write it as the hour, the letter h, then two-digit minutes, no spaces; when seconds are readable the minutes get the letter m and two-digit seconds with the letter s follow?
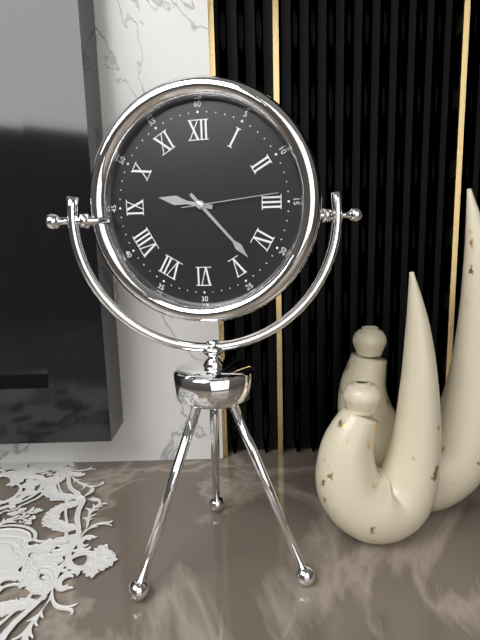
9h23m14s
